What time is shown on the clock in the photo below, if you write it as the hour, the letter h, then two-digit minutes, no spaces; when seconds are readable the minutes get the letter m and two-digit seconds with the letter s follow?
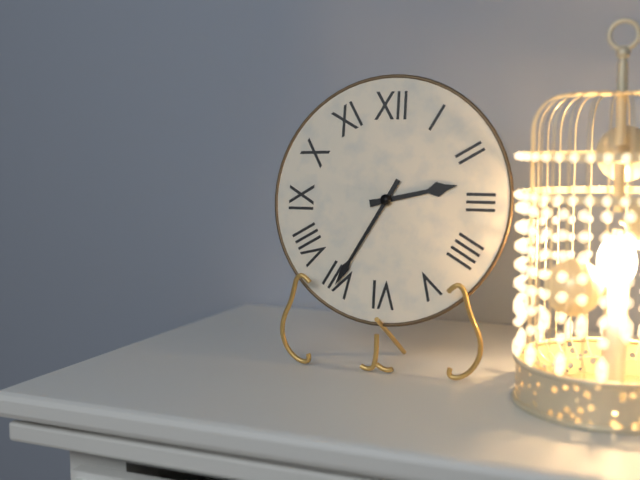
2h35
